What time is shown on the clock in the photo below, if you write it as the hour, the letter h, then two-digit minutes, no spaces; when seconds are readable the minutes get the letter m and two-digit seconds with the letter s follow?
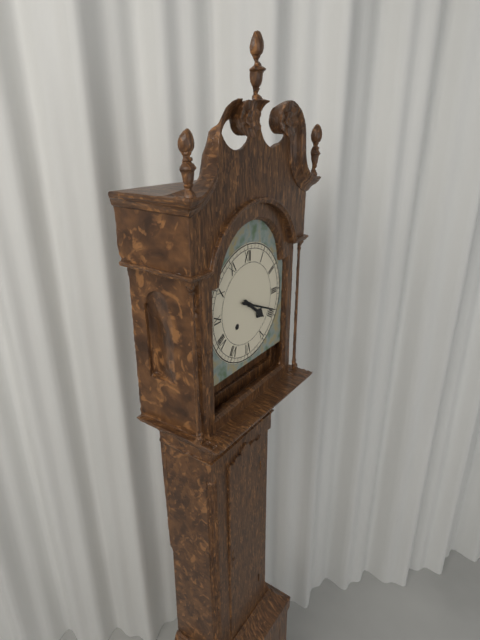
4h19
